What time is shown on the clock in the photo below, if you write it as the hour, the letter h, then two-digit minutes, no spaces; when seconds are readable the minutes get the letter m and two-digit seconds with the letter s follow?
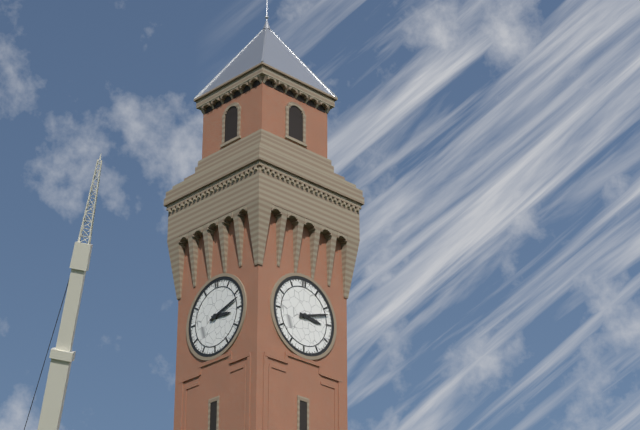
3h12
